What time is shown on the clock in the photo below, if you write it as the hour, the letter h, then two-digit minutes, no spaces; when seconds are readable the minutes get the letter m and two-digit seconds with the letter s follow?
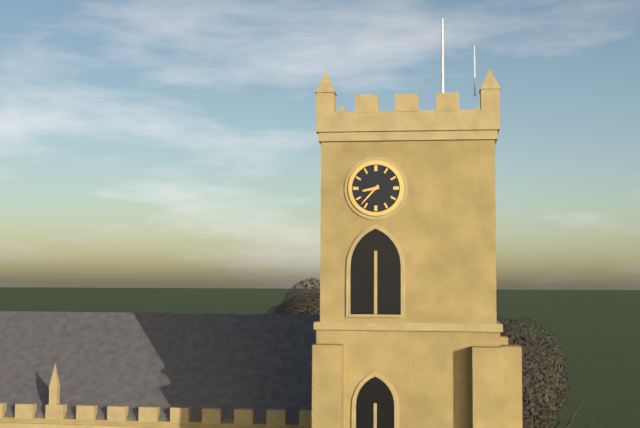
8h37
